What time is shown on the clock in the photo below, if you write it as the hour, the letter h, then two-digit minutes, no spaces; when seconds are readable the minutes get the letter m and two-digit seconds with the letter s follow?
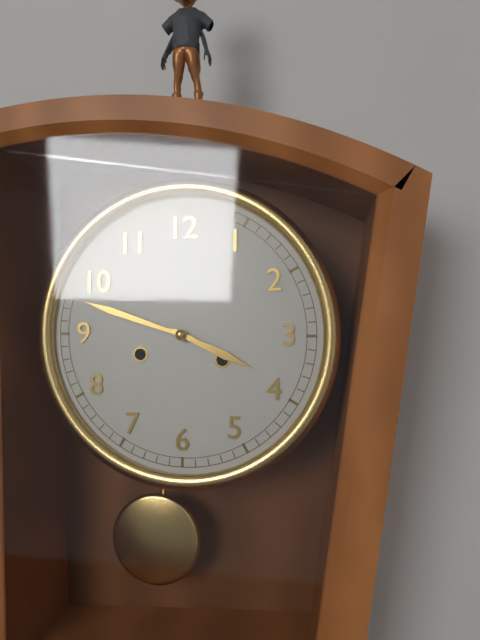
3h48
